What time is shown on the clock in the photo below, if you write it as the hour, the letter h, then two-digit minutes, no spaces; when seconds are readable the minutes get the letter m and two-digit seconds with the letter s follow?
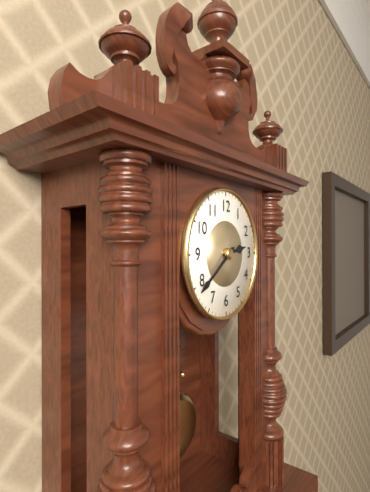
2h39
